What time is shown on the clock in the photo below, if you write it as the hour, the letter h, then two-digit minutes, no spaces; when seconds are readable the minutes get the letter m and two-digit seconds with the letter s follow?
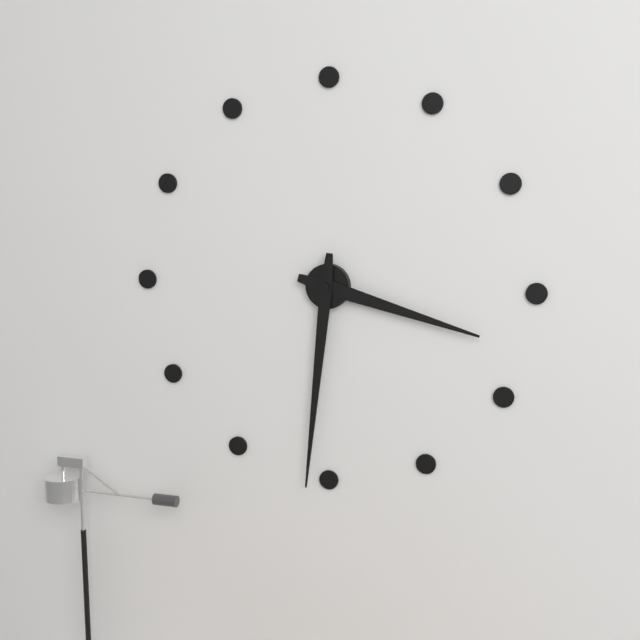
3h31
